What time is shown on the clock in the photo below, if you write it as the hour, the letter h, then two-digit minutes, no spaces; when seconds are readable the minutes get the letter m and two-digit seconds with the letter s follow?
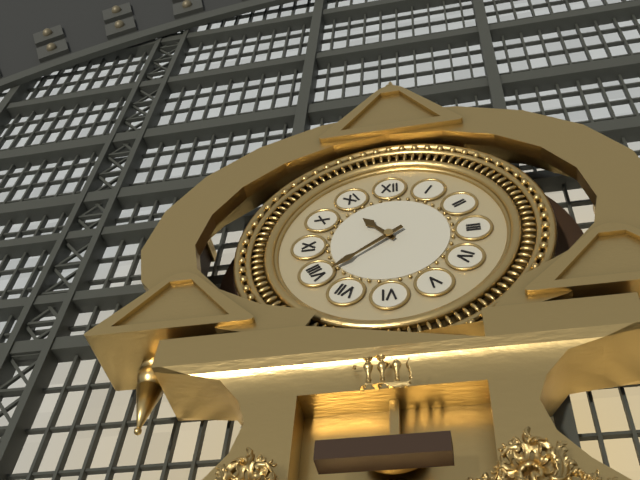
10h39
